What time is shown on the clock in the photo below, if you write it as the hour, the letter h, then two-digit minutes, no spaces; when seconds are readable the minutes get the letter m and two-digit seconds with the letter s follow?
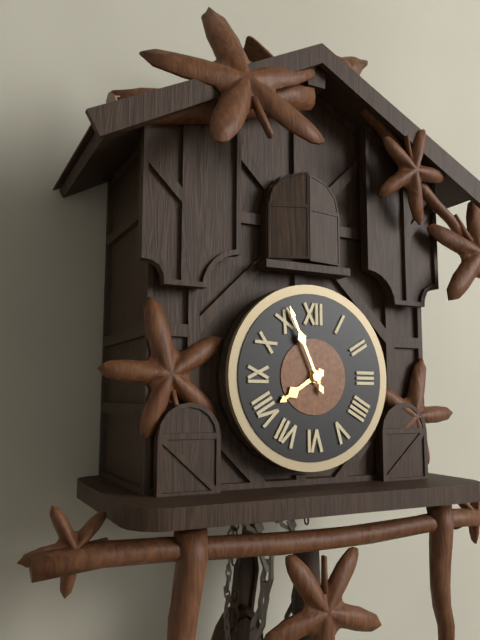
7h56
